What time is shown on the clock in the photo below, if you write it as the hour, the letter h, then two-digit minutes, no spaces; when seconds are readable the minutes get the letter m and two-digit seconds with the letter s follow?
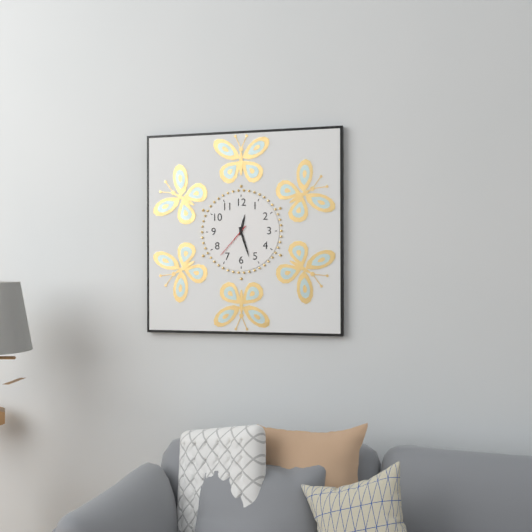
12h27
